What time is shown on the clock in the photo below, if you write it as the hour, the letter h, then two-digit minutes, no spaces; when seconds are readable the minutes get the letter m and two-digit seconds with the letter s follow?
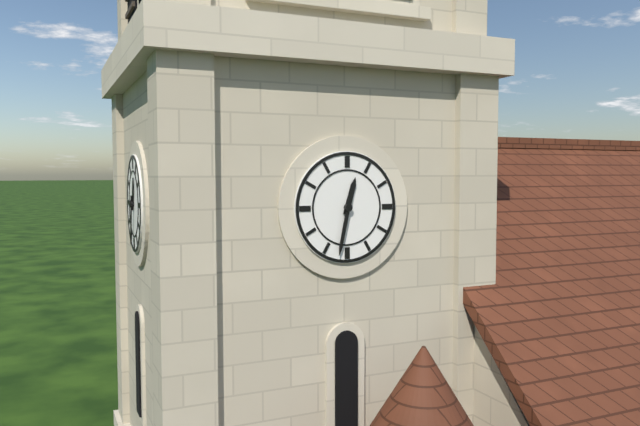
12h32
